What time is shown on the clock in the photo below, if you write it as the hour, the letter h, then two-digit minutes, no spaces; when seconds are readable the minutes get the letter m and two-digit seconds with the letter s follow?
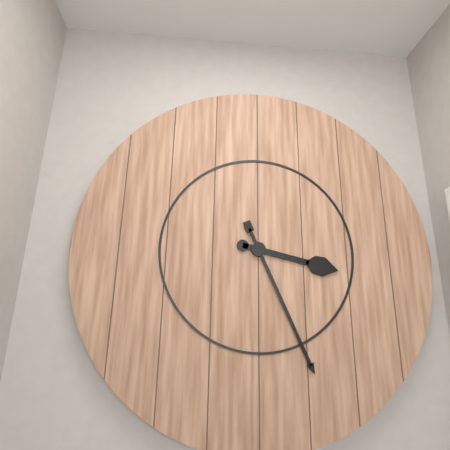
3h26
